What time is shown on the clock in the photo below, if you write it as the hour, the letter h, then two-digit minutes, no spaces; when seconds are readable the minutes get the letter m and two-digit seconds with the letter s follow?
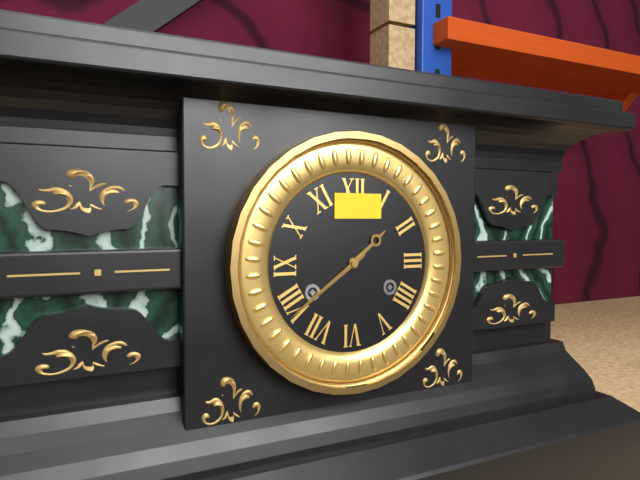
1h39
